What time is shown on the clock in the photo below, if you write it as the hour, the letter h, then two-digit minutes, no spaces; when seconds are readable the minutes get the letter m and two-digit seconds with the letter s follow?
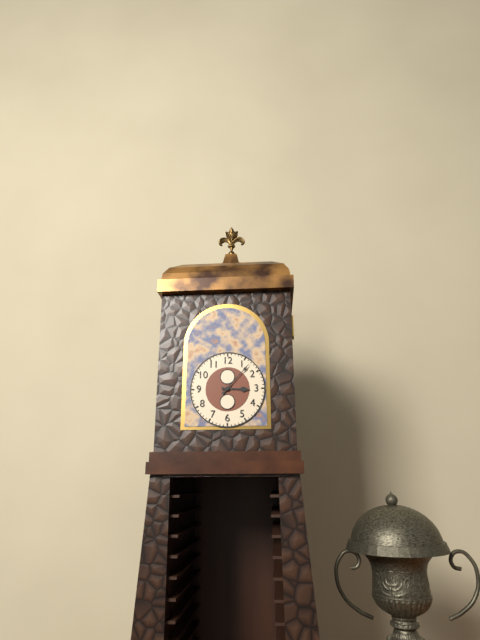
3h07
